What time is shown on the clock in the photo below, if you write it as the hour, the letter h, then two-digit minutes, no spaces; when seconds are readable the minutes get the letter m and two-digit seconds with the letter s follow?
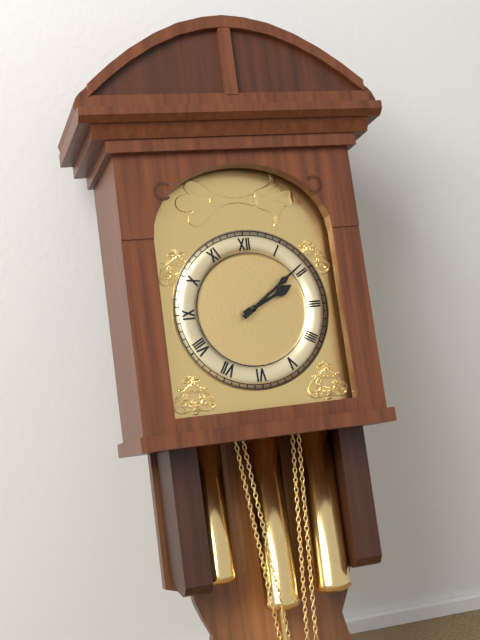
2h09
